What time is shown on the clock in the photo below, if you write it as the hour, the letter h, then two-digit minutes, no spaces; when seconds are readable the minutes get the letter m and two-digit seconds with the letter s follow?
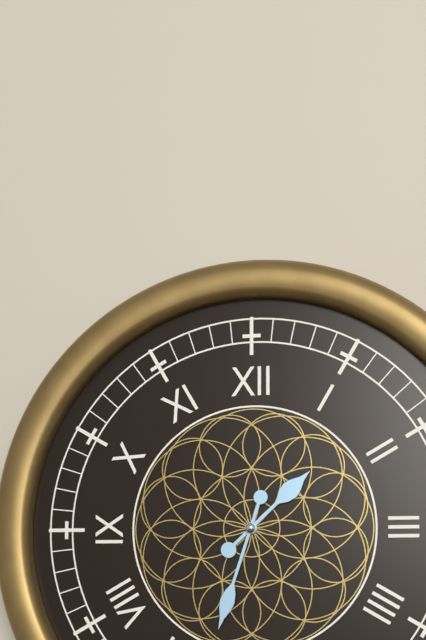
1h33
